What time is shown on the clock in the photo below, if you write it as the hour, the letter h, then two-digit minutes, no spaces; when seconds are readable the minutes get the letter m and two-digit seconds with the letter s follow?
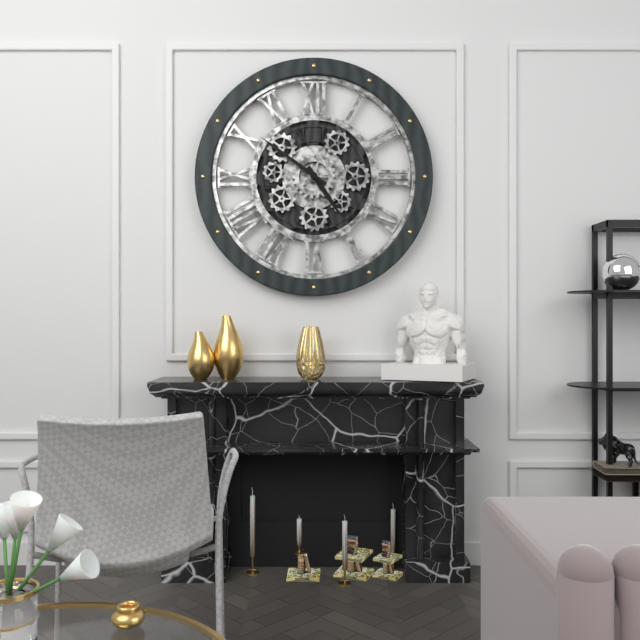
4h51
